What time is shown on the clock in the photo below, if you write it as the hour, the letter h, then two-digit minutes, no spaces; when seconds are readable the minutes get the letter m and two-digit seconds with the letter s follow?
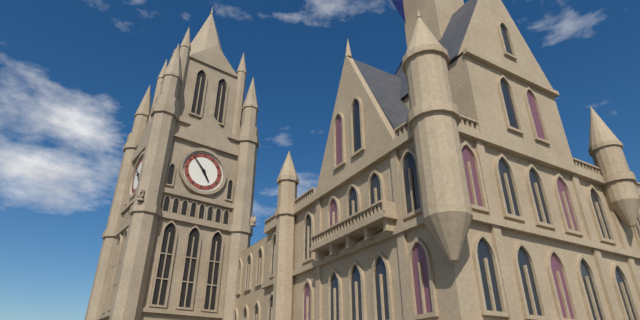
4h53
